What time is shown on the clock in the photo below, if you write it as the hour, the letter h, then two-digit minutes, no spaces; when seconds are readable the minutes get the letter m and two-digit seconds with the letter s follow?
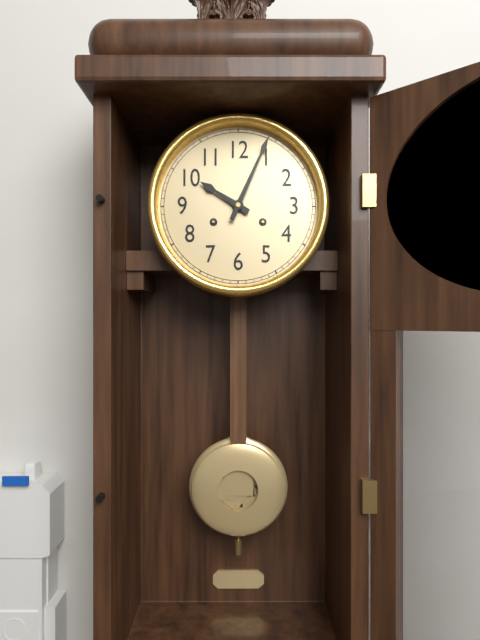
10h04
